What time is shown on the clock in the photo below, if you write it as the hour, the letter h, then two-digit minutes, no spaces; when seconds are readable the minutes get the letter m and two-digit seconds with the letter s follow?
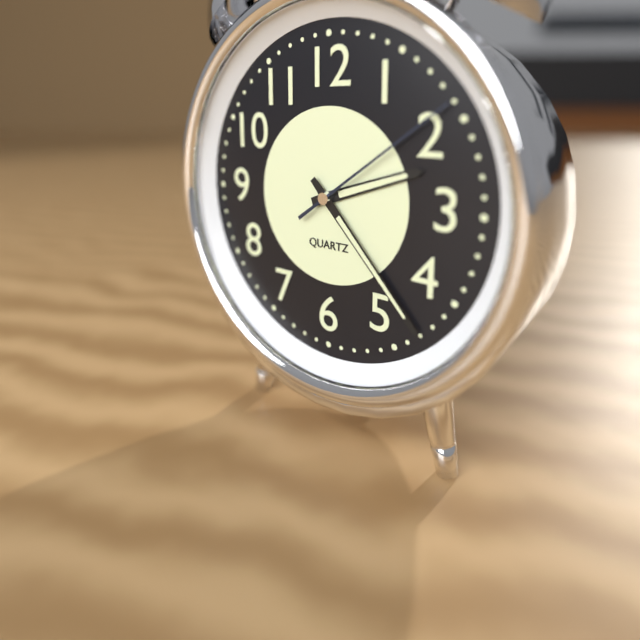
2h23m09s
